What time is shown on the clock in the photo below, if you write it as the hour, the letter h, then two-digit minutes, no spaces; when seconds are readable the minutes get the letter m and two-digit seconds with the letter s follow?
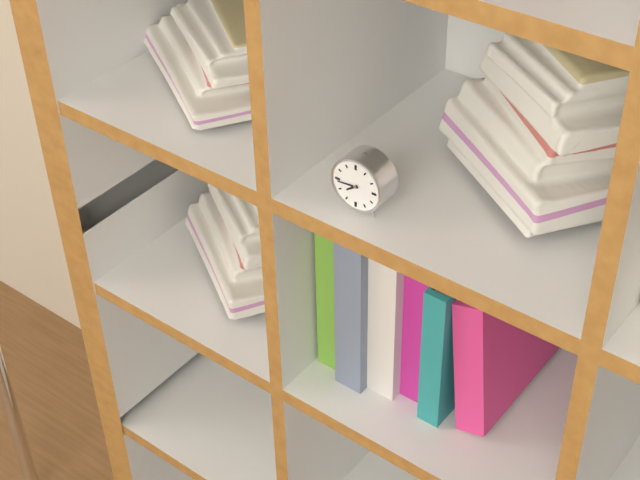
7h44
